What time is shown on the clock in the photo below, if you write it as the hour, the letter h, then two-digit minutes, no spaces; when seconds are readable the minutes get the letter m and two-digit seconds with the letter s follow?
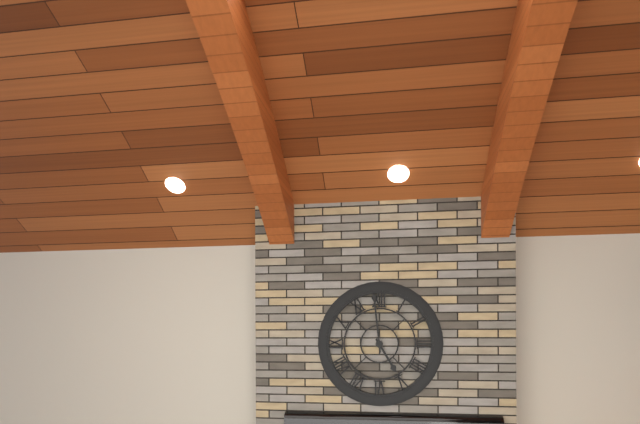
4h59
